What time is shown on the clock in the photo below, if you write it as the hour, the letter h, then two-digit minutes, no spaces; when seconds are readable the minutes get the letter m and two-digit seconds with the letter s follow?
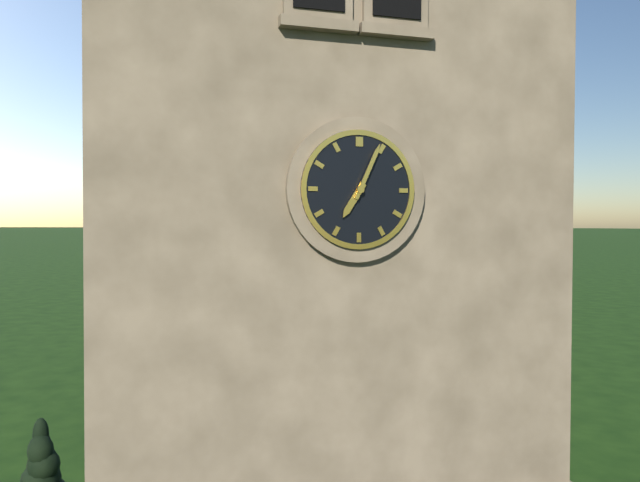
7h04
